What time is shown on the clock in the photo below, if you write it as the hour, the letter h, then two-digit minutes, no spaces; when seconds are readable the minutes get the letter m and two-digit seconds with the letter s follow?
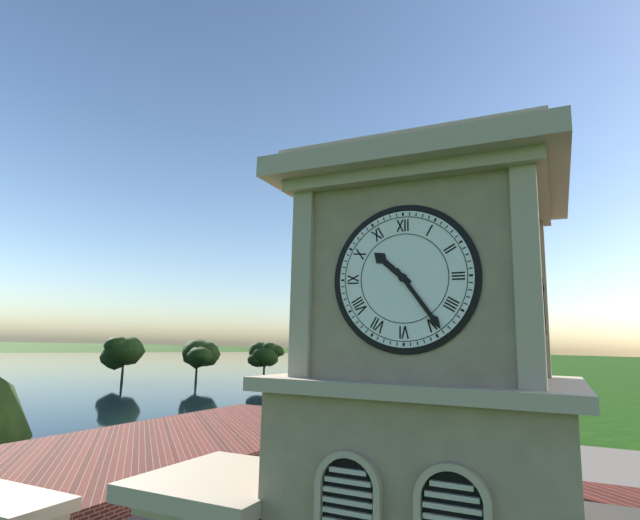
10h24
